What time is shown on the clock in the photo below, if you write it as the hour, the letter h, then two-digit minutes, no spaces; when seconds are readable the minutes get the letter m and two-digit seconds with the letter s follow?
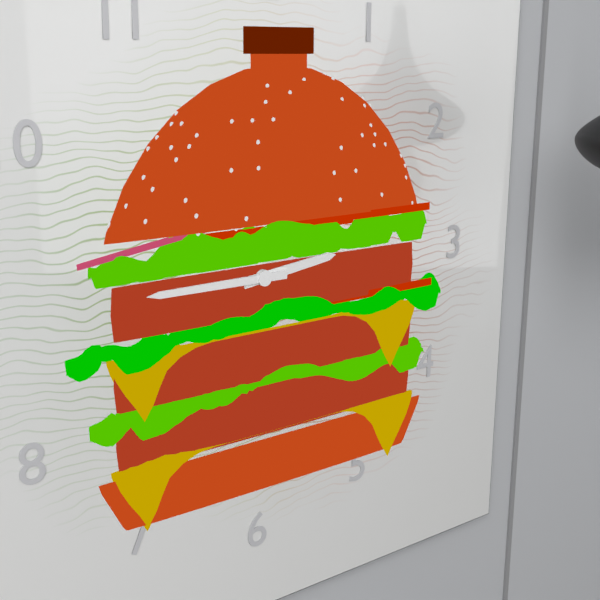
2h45
